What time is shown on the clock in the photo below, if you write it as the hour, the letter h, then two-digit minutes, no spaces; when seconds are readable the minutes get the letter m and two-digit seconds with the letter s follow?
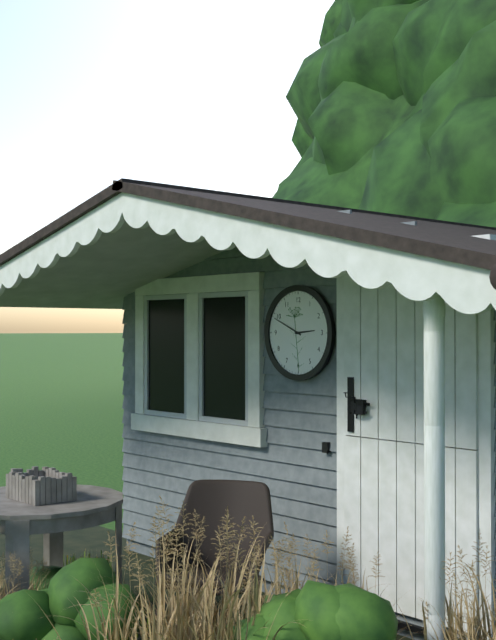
2h49
